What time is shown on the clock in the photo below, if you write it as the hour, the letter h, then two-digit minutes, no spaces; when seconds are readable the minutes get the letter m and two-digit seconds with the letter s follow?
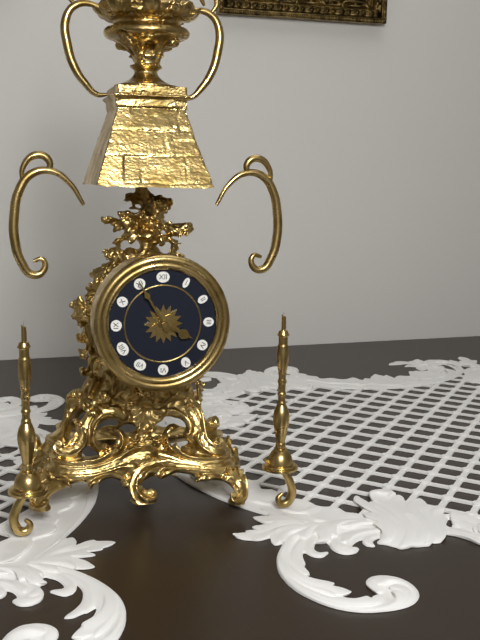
3h55
